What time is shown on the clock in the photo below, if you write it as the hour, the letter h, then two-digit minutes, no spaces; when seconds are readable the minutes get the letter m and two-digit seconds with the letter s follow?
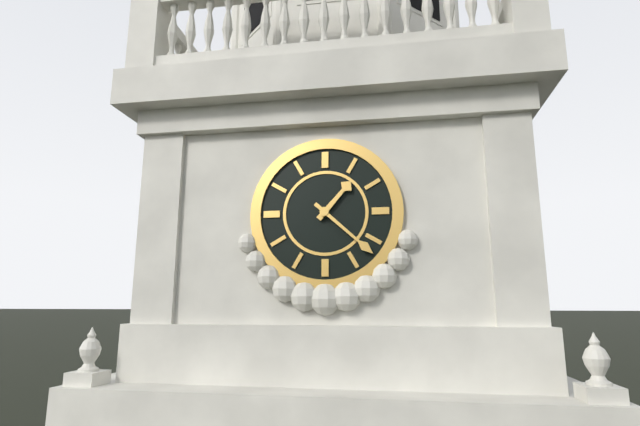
1h22
